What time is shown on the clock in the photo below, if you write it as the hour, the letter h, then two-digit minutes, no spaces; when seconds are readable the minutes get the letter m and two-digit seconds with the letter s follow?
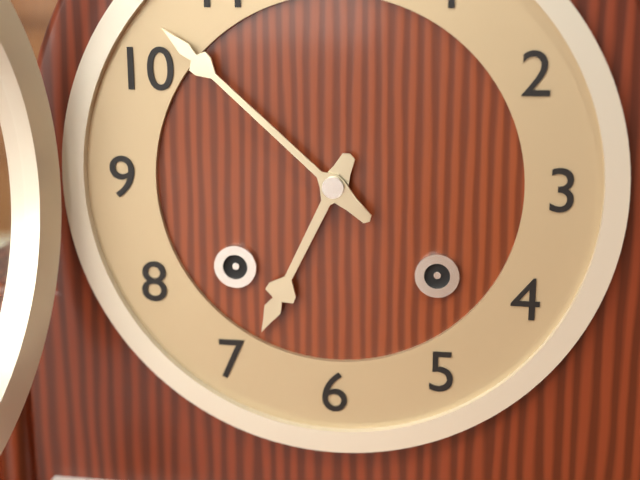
6h52
